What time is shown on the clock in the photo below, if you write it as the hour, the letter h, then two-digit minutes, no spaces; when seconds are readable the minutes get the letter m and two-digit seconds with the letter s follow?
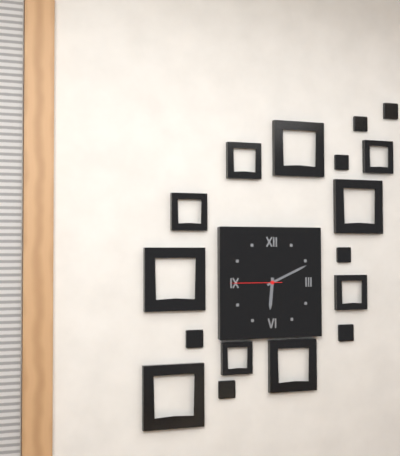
6h11m45s
